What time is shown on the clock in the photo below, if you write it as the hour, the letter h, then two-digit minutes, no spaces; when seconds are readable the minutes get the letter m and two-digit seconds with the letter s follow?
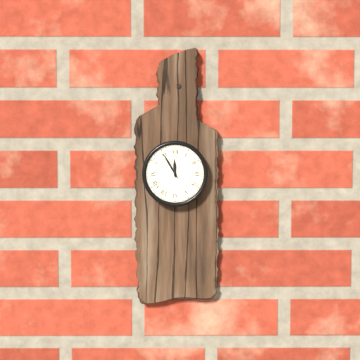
11h55
